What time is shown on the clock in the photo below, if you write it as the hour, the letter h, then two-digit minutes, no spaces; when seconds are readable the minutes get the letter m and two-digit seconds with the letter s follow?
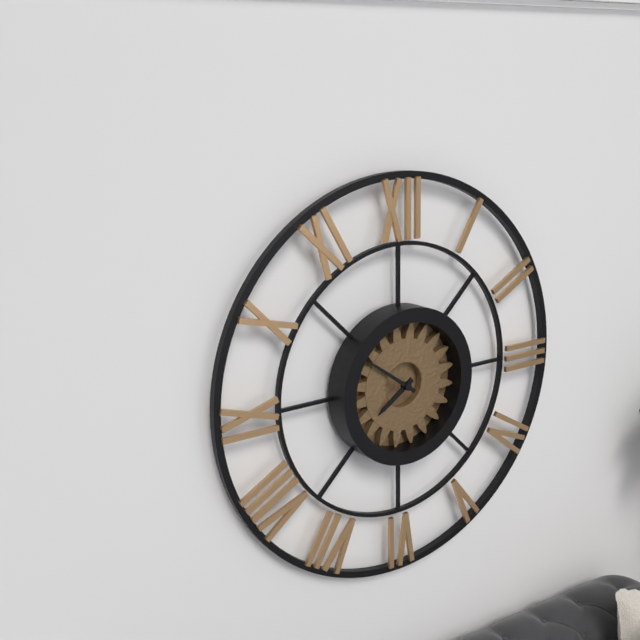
7h51
